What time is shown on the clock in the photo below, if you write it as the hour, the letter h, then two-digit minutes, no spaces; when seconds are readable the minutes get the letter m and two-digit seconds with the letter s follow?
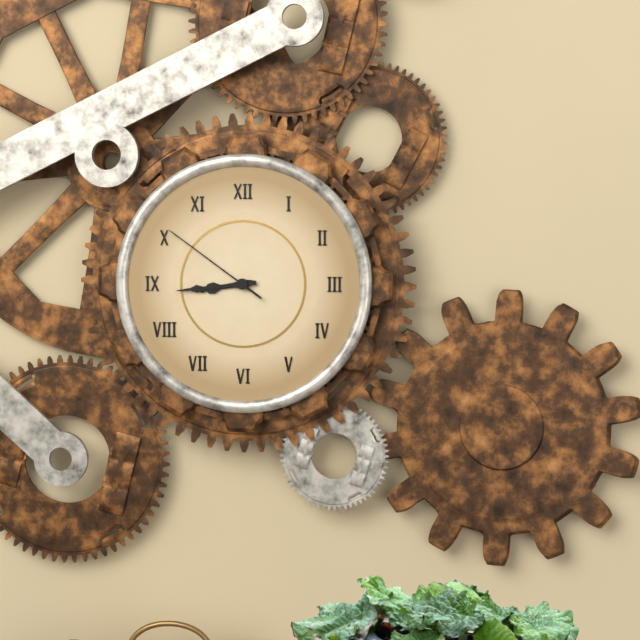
8h44m51s
